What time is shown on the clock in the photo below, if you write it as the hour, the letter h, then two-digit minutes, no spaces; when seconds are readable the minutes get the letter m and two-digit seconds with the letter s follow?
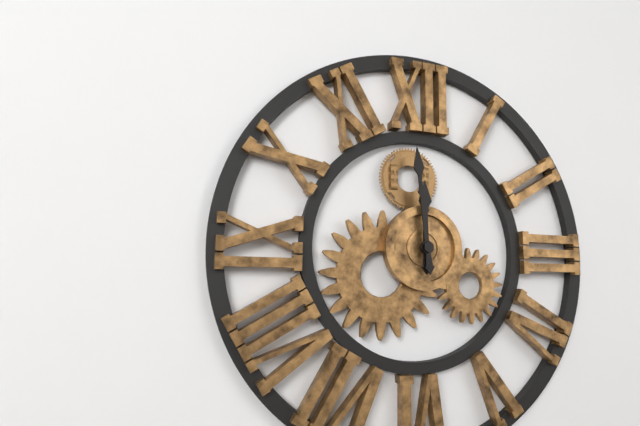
11h59
